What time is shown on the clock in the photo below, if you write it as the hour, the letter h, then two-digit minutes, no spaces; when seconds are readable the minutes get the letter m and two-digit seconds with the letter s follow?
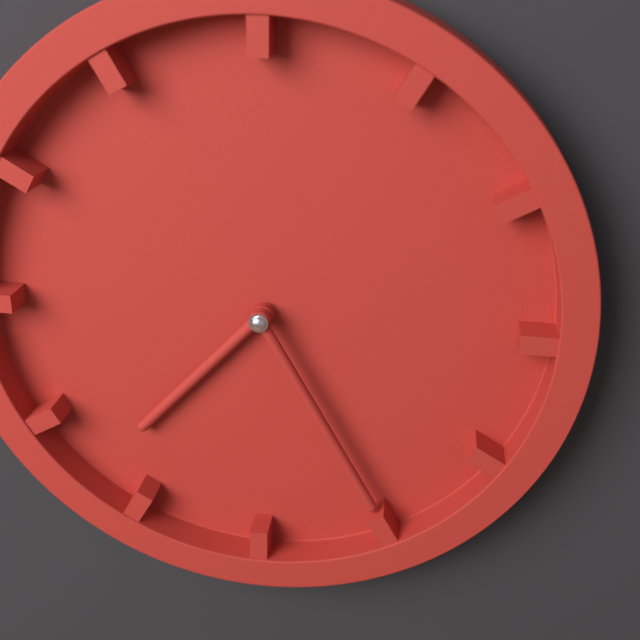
7h25
